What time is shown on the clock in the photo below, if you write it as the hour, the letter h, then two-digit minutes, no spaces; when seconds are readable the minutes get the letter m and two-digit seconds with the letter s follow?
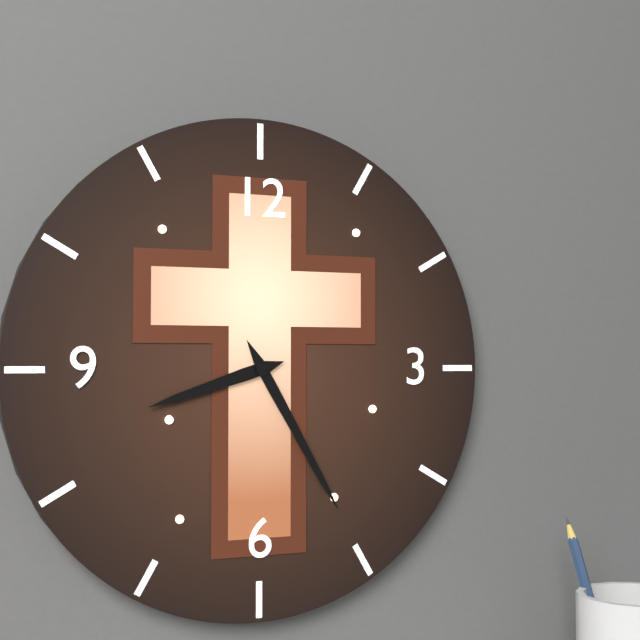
8h25
